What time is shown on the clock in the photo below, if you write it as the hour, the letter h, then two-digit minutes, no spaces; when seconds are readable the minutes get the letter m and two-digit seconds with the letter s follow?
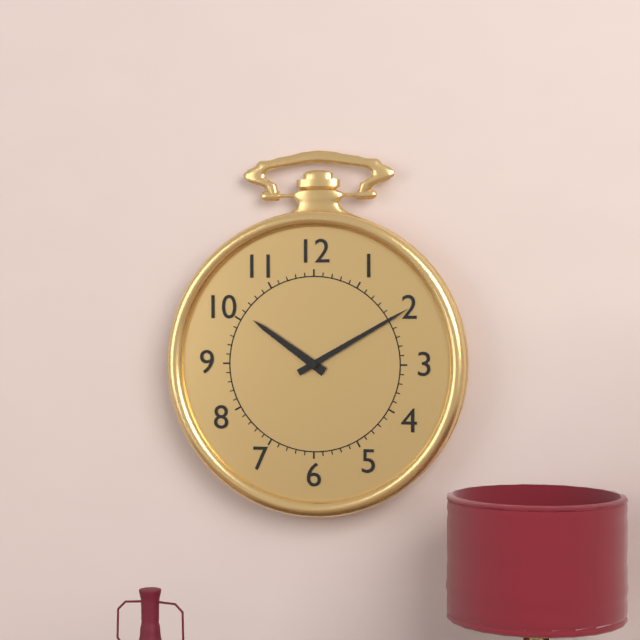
10h10
